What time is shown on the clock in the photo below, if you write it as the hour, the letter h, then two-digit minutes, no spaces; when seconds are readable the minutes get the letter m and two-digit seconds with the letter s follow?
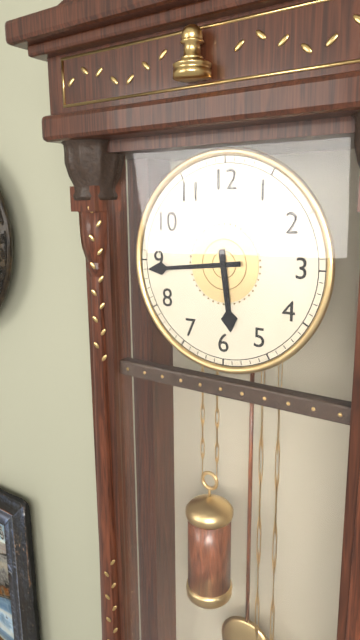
5h44
